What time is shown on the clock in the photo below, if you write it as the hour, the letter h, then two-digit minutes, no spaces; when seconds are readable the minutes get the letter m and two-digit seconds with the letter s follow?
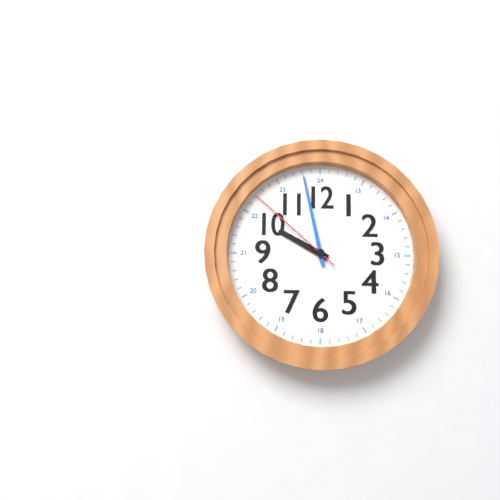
9h58m52s
